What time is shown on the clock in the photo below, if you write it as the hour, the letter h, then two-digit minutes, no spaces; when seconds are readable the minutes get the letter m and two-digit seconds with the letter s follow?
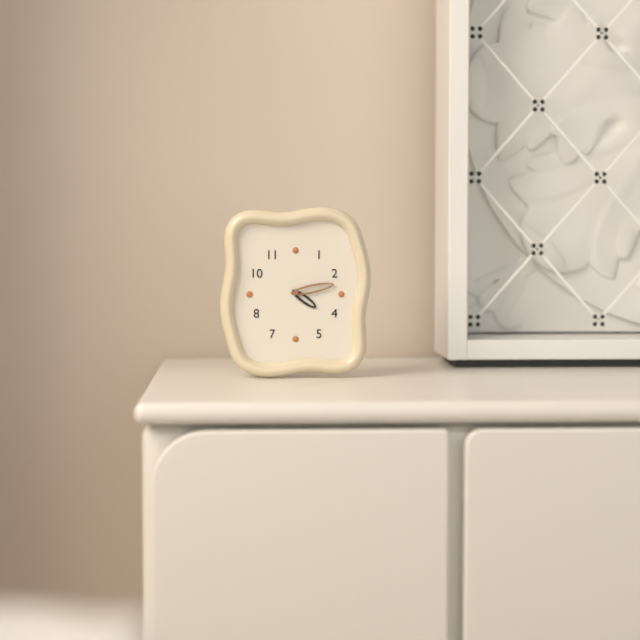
4h13
